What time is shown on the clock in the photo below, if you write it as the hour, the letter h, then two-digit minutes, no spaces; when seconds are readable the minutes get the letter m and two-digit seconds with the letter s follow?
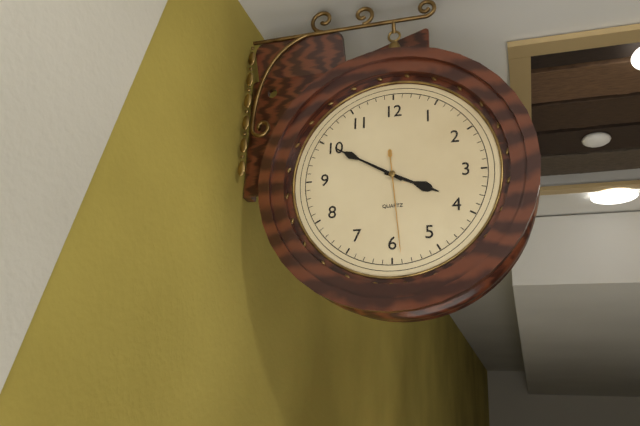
3h50m29s
